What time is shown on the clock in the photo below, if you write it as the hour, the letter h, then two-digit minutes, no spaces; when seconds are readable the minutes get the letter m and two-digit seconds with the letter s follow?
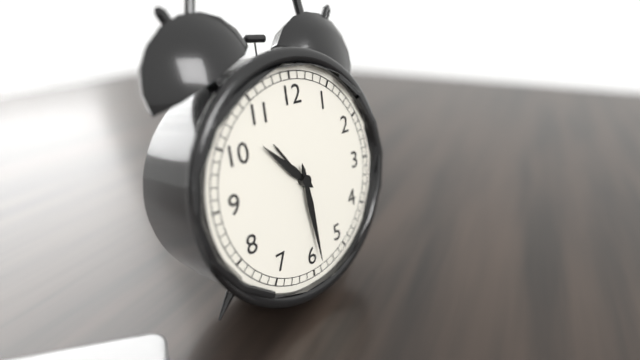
10h29
